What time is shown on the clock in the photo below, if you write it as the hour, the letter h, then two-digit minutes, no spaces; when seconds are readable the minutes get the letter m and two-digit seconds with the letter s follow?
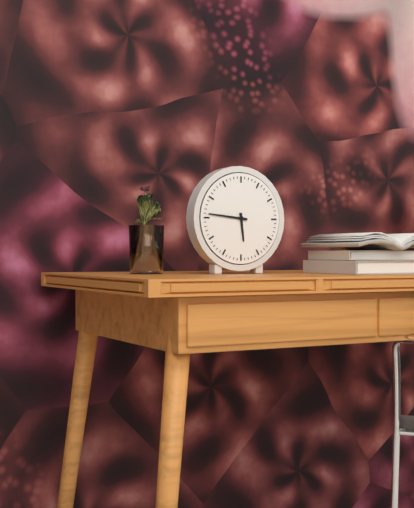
5h46
